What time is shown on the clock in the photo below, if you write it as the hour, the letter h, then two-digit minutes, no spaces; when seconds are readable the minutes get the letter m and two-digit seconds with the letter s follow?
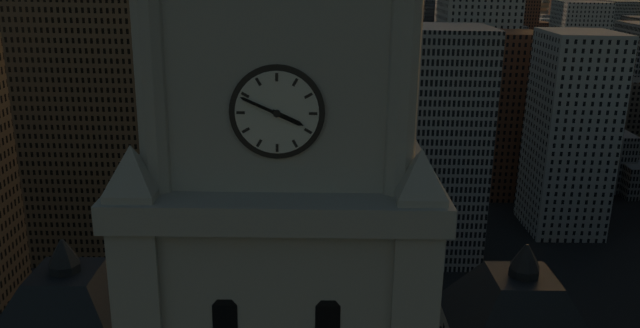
3h49
